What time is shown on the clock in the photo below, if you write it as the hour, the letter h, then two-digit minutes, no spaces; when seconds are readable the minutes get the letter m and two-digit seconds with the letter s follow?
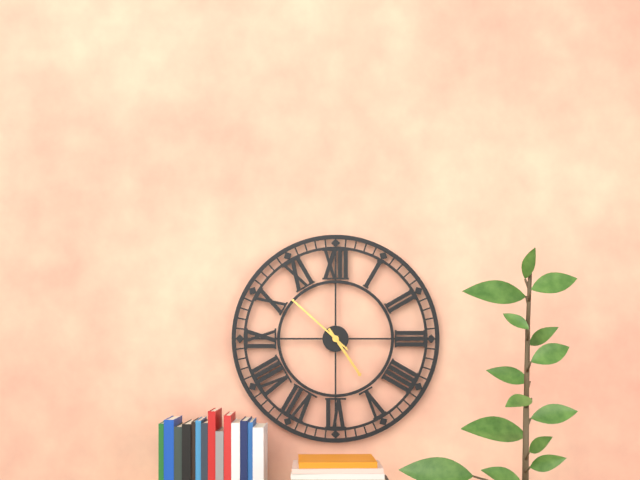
4h52
